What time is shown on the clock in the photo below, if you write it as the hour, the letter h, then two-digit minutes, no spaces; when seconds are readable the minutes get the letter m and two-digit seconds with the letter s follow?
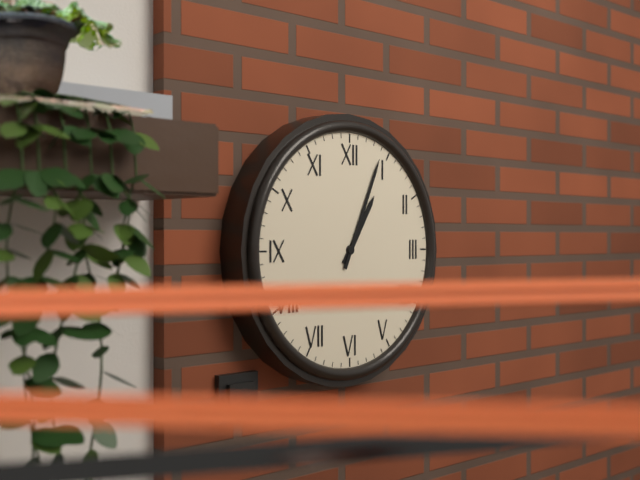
1h04
